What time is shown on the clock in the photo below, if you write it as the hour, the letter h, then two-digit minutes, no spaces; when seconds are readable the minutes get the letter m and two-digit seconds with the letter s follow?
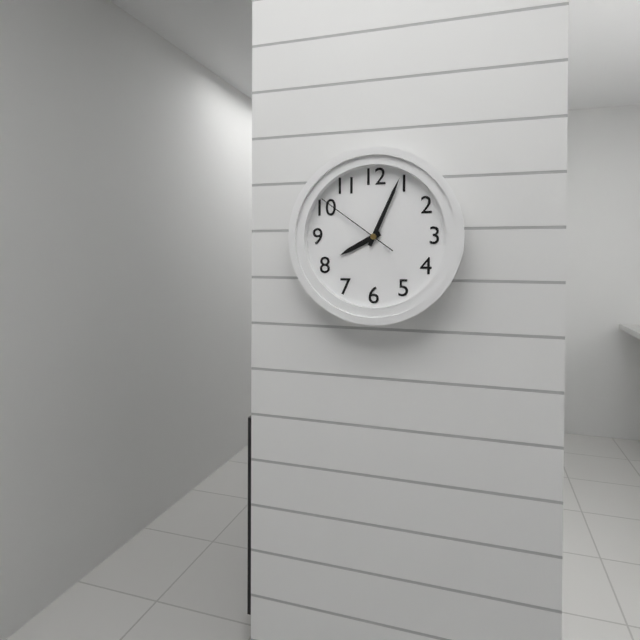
8h04m51s
